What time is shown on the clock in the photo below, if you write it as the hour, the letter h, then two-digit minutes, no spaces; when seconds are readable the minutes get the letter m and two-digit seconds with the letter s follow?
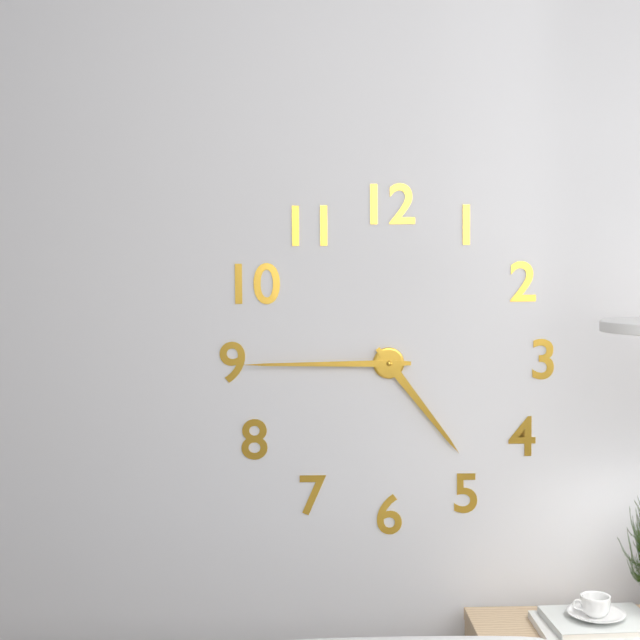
4h45
